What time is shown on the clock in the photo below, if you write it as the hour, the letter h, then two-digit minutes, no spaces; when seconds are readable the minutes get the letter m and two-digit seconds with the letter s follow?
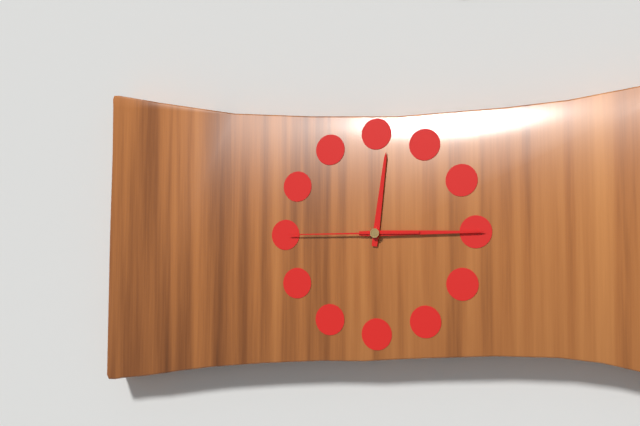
12h15m45s
